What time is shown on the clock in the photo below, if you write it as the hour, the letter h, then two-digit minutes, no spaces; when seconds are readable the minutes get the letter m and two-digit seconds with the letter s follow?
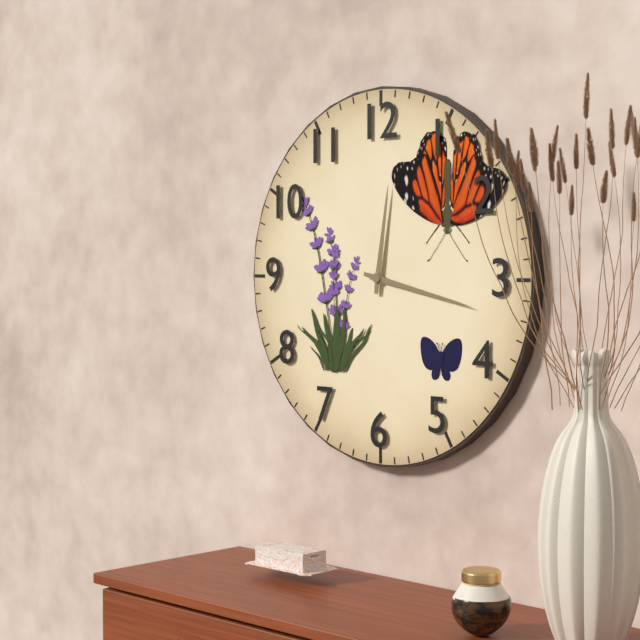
12h17
